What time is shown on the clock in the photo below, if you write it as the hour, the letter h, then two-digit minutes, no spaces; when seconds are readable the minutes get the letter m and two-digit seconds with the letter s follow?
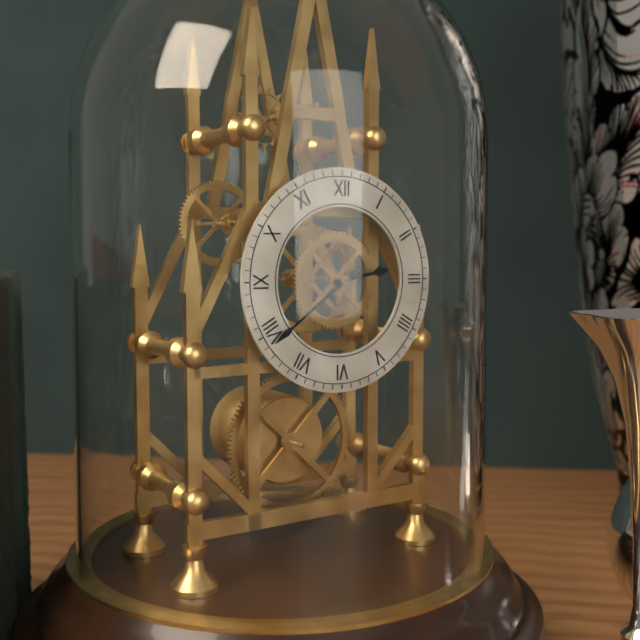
2h39
